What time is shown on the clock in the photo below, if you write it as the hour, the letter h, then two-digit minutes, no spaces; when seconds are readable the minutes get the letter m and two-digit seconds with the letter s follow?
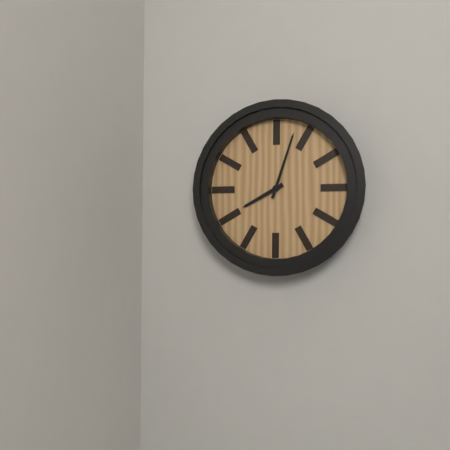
8h03
